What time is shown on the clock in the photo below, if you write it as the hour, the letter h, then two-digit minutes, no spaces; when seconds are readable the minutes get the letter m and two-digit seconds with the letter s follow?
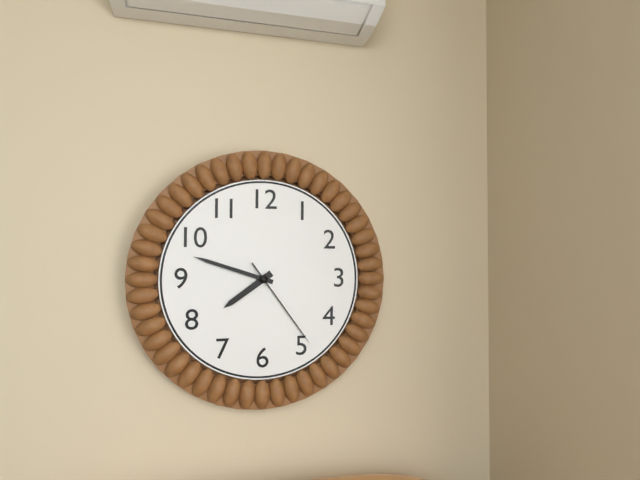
7h48m24s
